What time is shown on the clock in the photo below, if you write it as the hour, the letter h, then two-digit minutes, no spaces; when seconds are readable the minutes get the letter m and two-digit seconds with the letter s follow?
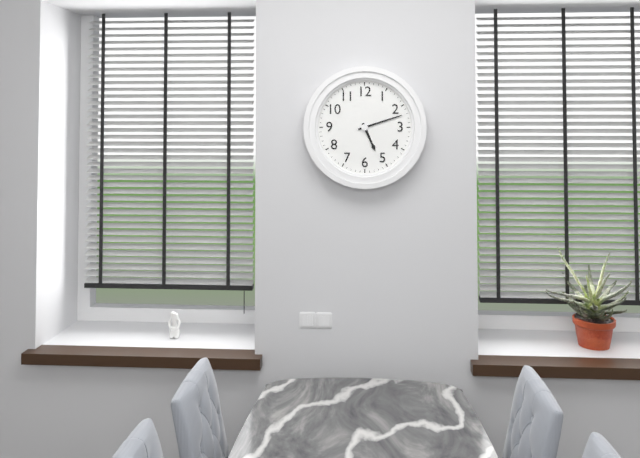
5h12
